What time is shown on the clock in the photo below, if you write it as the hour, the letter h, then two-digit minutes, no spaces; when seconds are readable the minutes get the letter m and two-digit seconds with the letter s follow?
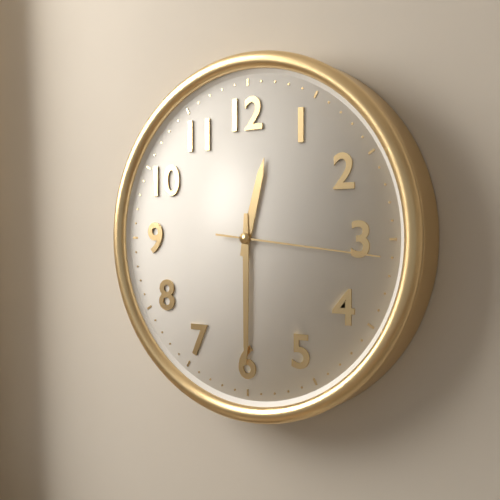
12h30m16s
